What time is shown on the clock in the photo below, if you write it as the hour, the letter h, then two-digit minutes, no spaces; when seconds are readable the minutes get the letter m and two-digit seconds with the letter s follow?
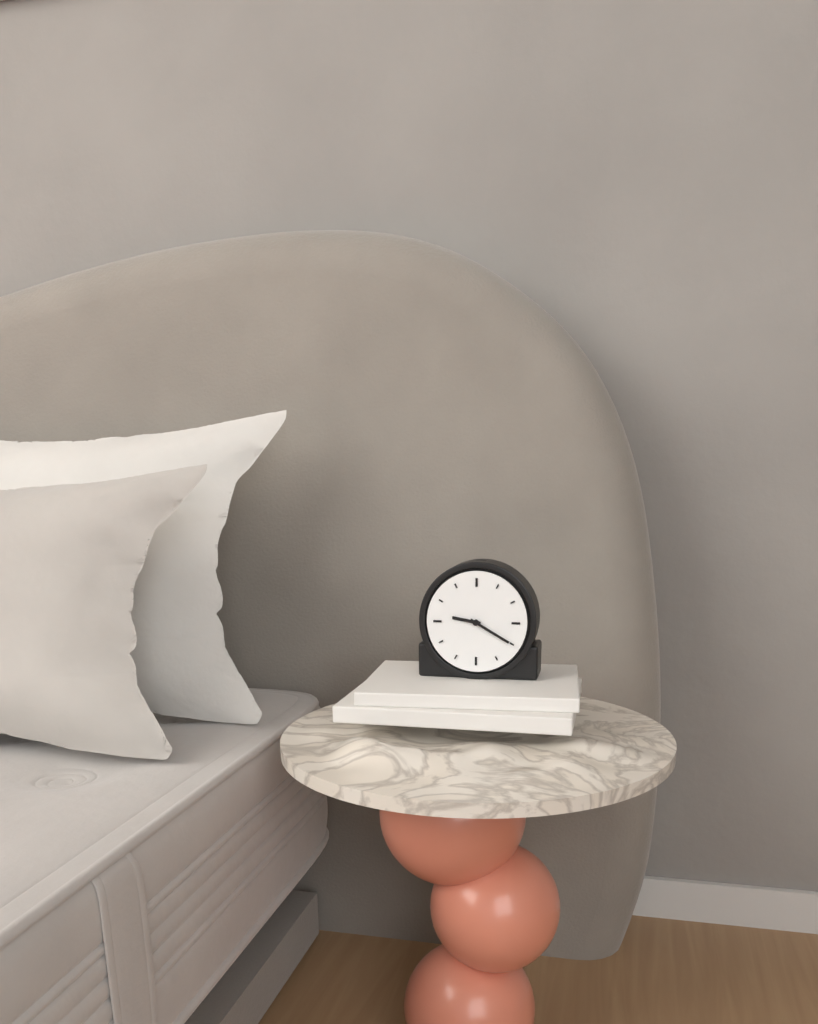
9h20
